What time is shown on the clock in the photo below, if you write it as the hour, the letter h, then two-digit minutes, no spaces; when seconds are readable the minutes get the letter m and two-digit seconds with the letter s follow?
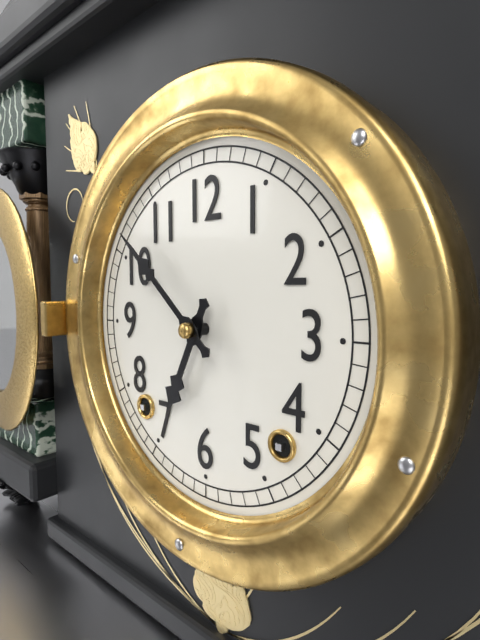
6h52
